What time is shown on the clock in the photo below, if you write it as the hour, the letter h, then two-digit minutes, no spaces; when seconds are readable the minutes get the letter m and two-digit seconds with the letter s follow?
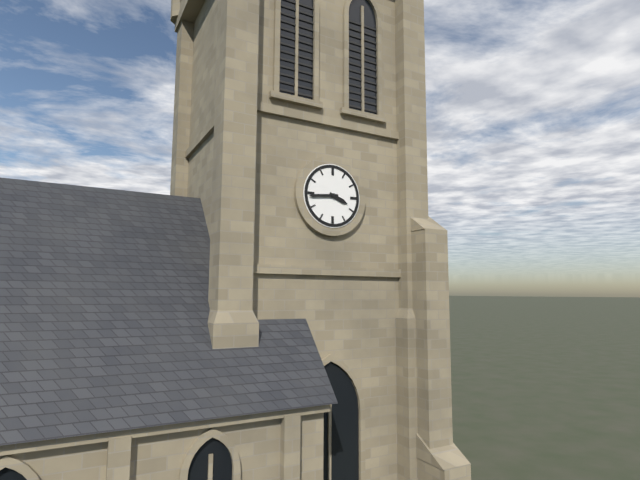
3h44
